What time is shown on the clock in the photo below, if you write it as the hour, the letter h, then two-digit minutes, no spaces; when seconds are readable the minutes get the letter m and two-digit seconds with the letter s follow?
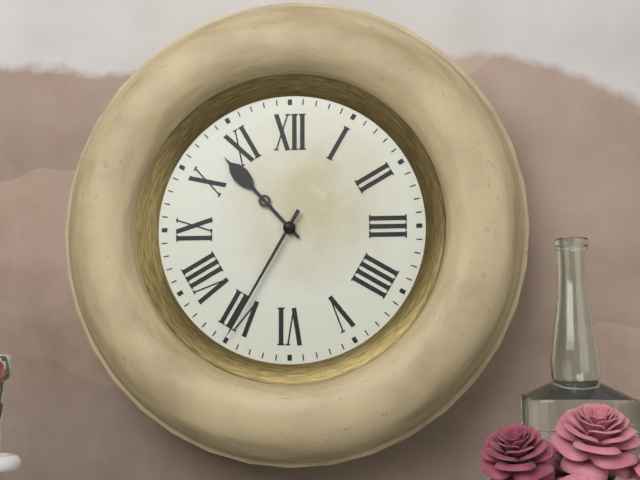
10h35
